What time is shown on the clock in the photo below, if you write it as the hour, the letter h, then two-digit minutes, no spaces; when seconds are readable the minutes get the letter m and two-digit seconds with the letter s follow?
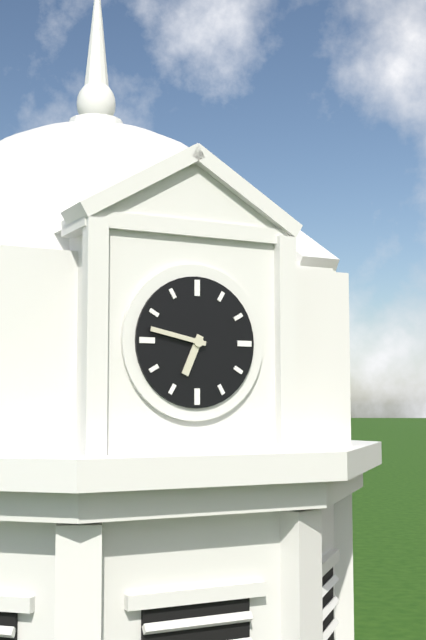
6h47
